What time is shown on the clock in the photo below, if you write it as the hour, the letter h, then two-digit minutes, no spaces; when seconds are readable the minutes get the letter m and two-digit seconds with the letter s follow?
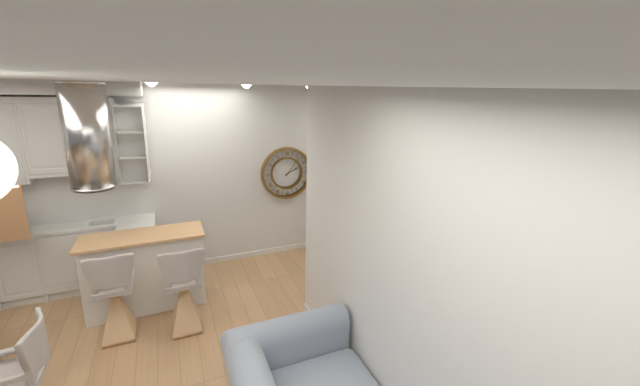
2h06
